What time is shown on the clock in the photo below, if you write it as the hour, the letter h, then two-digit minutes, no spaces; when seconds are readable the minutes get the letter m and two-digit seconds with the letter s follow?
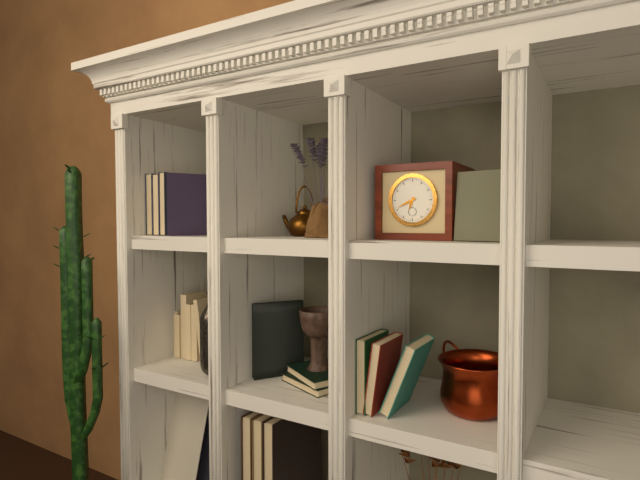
6h41
